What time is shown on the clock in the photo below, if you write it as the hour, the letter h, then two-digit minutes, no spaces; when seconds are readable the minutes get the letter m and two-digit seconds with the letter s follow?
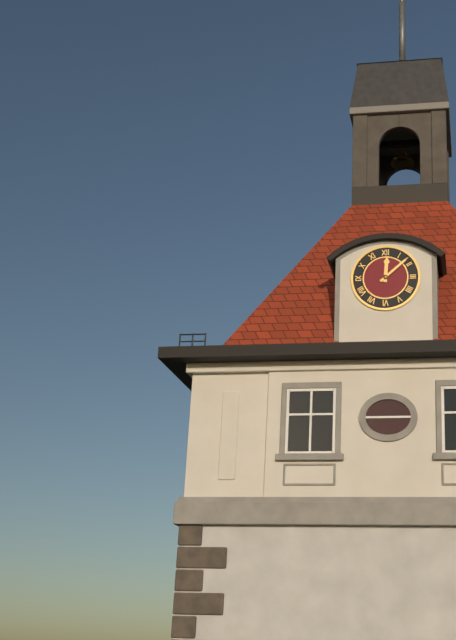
12h08
